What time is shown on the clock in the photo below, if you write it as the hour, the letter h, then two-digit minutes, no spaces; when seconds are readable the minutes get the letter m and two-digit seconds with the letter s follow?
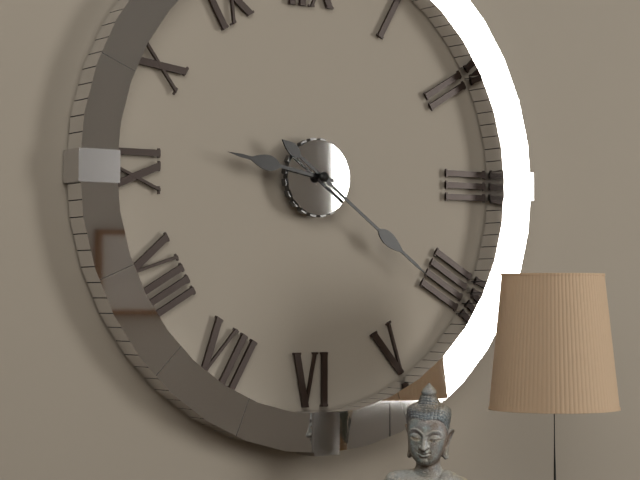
9h21
